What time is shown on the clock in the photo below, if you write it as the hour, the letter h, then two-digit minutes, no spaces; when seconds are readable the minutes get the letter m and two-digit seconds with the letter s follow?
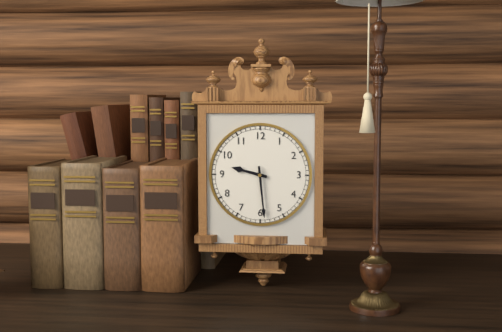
9h29
